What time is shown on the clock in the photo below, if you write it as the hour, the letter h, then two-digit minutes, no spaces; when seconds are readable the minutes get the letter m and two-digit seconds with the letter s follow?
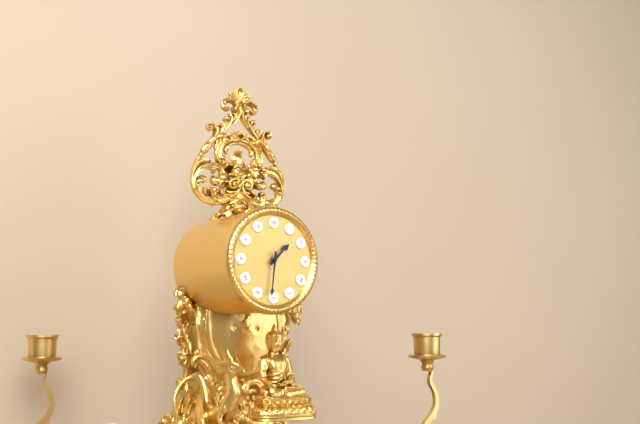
1h31
